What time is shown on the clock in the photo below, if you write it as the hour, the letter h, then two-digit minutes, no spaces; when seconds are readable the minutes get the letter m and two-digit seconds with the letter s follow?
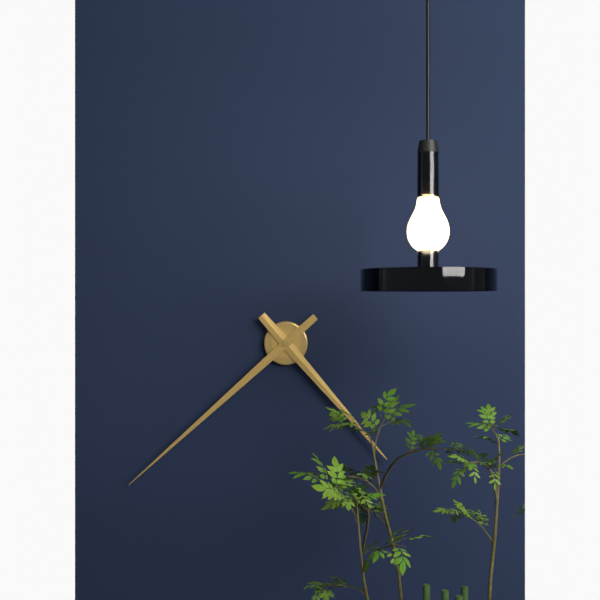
4h38
